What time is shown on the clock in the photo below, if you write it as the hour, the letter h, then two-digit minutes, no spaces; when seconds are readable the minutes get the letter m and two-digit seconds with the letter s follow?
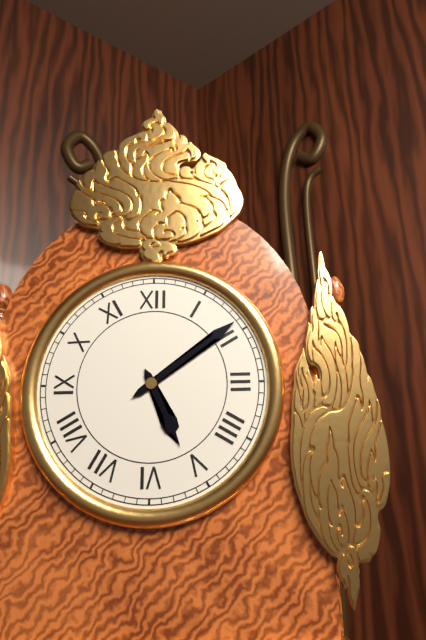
5h09
